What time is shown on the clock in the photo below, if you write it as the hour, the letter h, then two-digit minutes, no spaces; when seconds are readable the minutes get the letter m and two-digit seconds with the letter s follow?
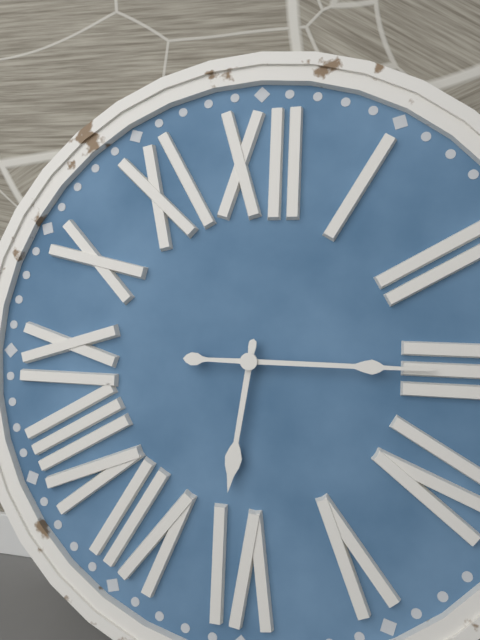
6h15
